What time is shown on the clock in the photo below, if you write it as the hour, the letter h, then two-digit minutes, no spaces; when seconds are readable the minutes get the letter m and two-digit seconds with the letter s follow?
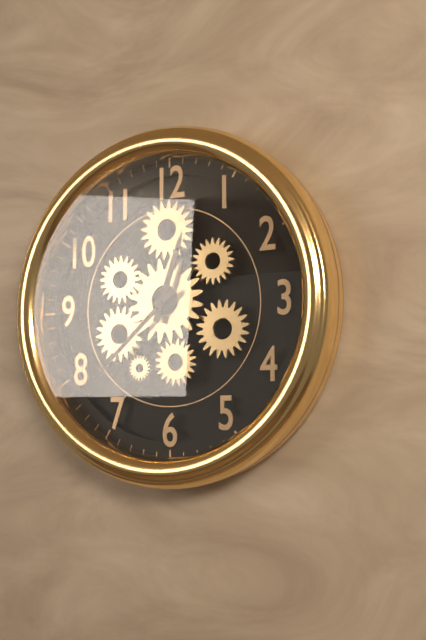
12h38
